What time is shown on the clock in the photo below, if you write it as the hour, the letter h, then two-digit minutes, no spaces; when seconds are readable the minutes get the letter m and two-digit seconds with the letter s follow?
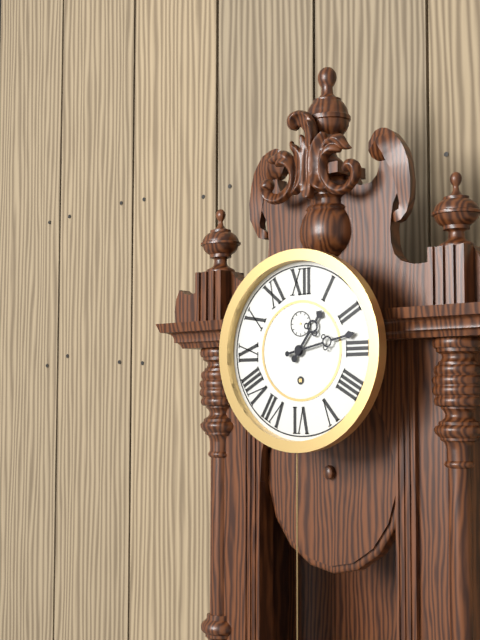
1h13
